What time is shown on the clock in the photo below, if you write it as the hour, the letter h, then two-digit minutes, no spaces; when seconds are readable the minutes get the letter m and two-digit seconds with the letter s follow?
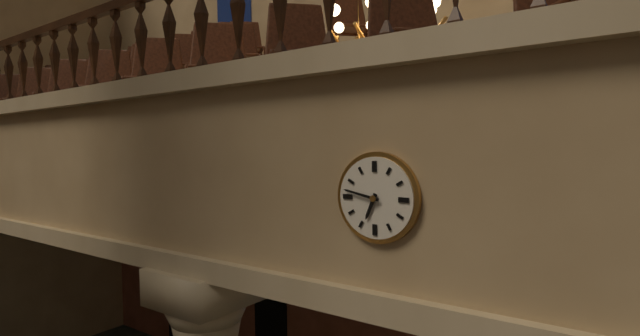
6h47
